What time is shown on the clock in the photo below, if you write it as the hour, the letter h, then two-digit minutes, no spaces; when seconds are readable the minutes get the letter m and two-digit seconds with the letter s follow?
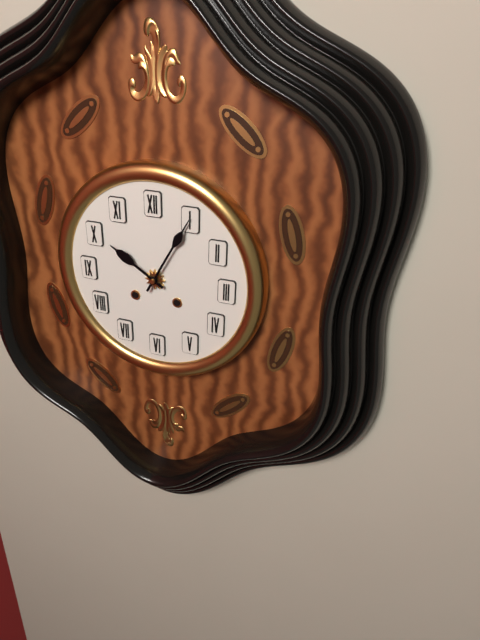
10h05
